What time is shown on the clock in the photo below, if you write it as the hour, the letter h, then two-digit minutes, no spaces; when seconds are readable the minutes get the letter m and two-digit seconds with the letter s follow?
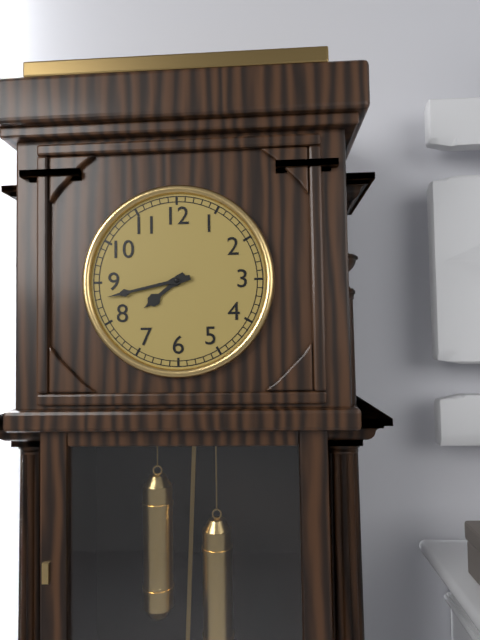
7h43
